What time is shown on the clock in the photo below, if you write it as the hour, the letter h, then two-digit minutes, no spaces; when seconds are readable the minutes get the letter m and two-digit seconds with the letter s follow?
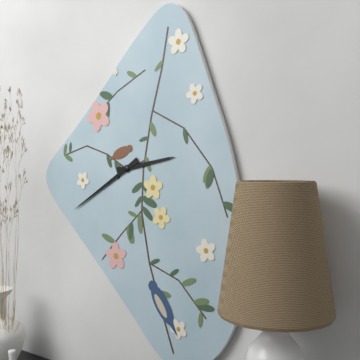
2h40
